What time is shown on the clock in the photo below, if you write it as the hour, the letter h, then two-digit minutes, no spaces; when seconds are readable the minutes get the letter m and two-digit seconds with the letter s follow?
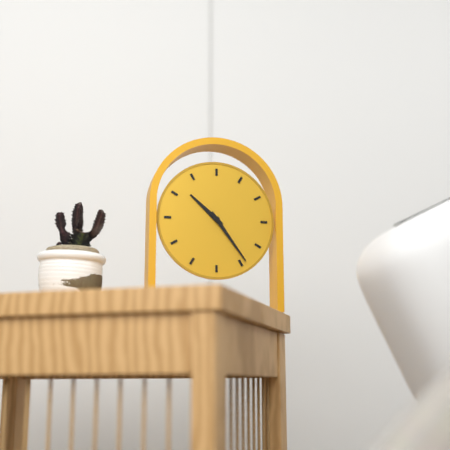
10h24
